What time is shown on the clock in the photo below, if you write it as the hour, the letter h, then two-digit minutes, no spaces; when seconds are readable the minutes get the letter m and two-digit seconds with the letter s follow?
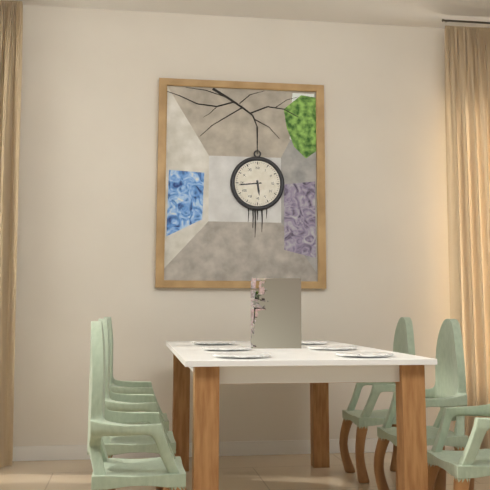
5h44
